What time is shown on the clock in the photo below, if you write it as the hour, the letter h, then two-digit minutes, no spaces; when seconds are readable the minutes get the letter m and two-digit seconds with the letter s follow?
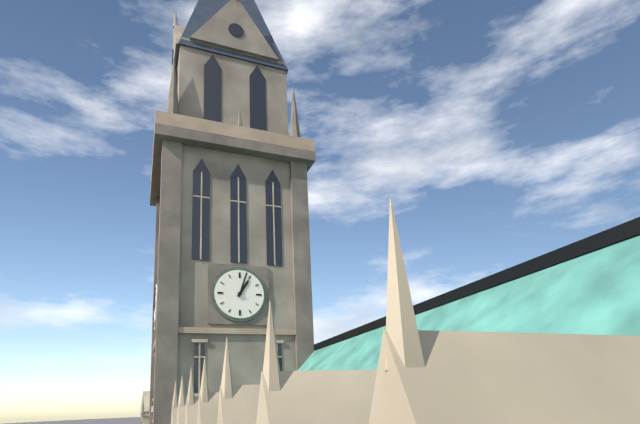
1h03
